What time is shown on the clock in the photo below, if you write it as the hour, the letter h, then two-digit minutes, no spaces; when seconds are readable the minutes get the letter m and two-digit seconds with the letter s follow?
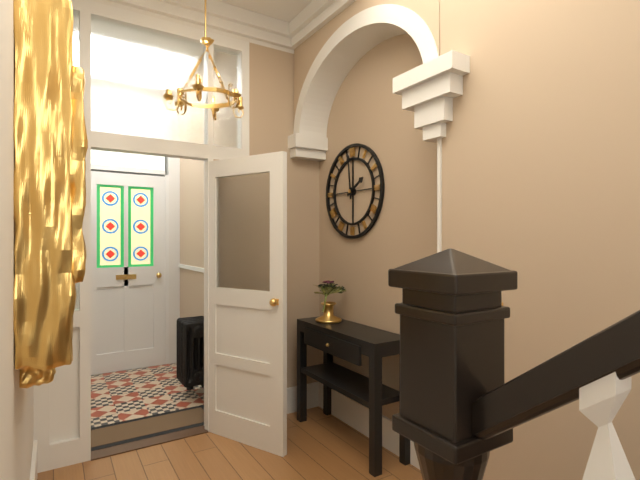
1h59
